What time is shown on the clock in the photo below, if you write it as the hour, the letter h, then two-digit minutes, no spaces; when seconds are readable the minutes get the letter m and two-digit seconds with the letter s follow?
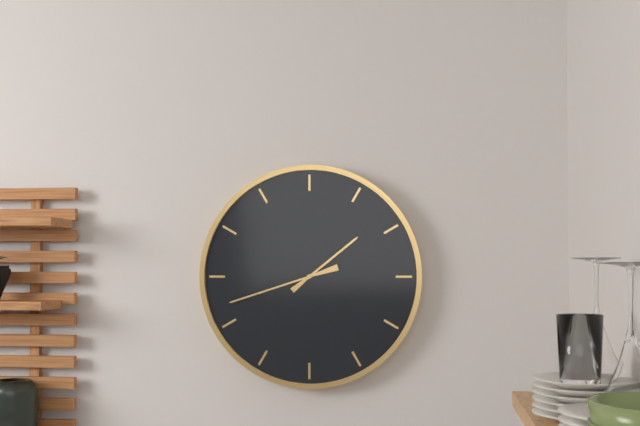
1h42
